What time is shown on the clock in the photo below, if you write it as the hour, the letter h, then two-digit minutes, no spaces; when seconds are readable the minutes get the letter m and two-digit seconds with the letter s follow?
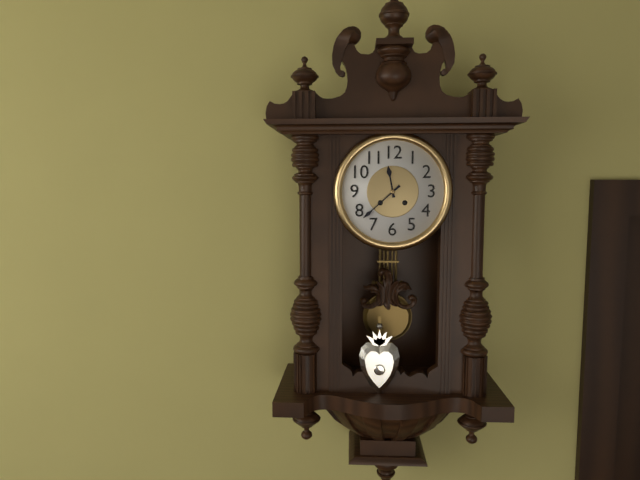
11h38
